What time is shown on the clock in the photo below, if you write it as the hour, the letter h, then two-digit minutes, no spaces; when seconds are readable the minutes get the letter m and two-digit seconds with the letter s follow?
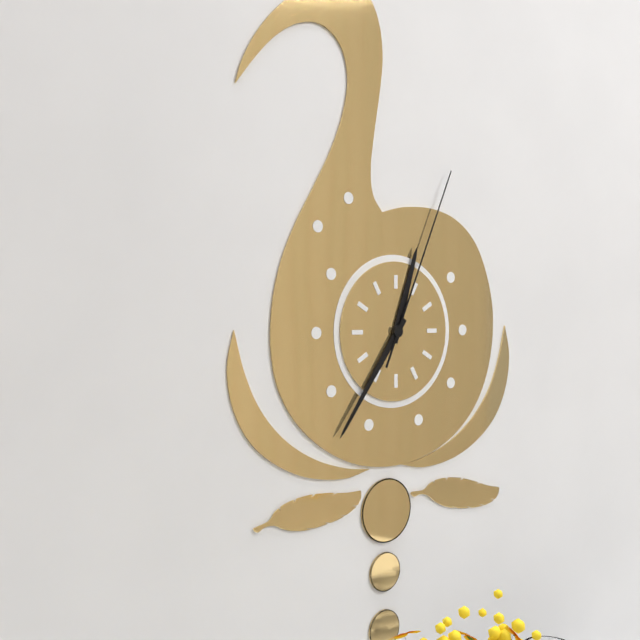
12h36m04s
